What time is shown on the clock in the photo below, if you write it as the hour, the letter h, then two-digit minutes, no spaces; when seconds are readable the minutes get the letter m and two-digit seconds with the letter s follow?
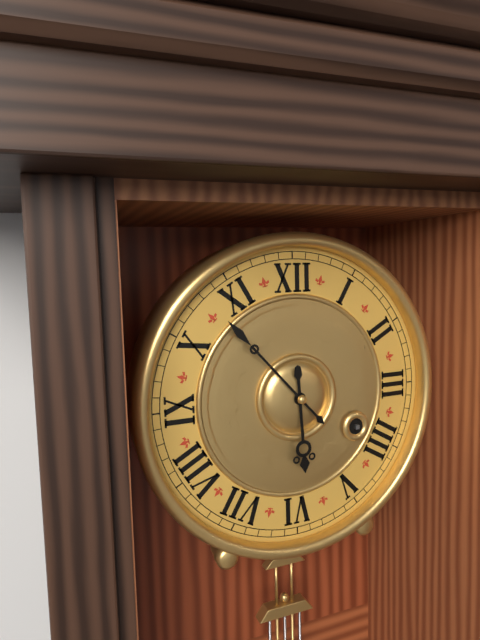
5h53
